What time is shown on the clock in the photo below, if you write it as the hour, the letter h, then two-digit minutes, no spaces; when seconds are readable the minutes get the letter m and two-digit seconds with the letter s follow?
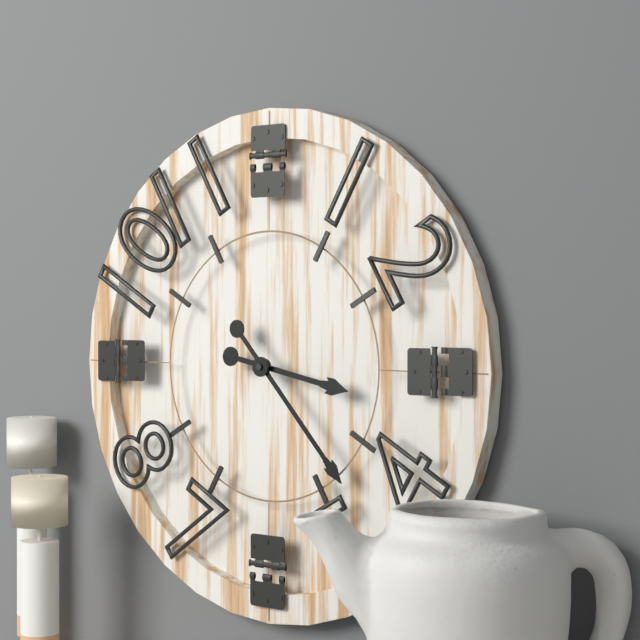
3h23
